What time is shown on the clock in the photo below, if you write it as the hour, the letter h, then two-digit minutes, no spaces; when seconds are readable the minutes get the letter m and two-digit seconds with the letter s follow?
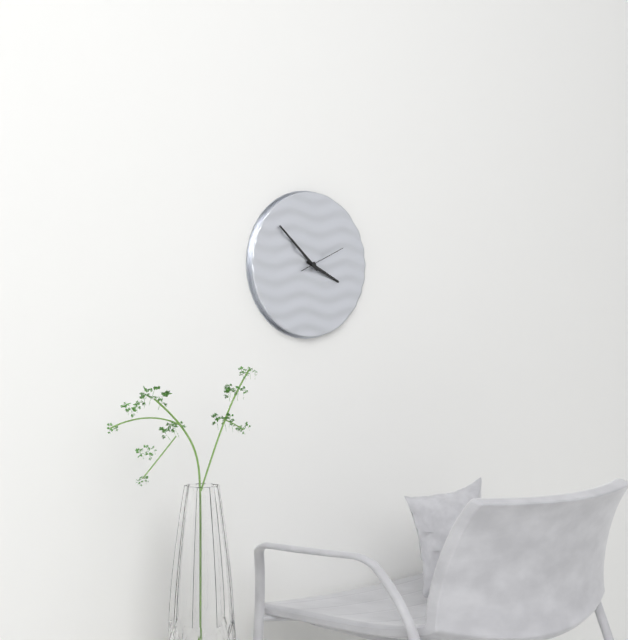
3h52
